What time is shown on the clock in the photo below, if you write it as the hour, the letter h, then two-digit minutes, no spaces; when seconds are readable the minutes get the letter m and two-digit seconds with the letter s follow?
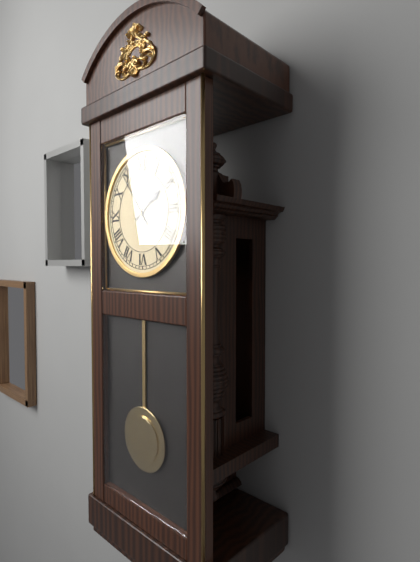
1h54
